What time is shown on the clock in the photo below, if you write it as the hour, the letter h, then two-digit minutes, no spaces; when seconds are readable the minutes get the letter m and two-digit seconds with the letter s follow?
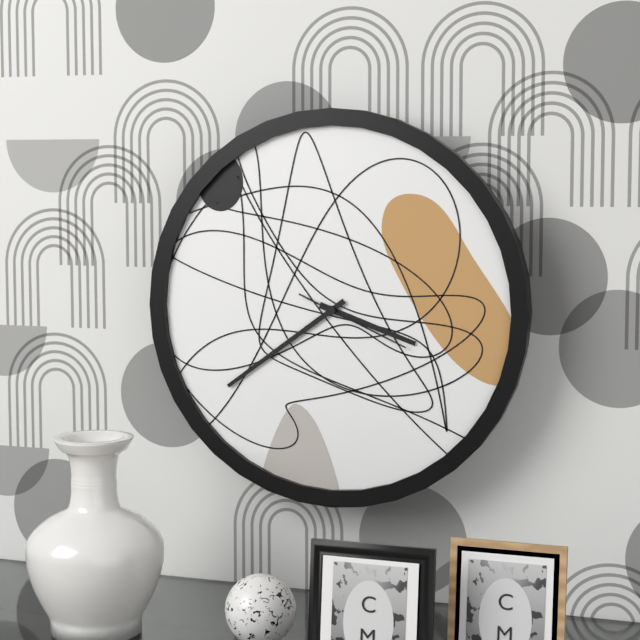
3h39m19s
